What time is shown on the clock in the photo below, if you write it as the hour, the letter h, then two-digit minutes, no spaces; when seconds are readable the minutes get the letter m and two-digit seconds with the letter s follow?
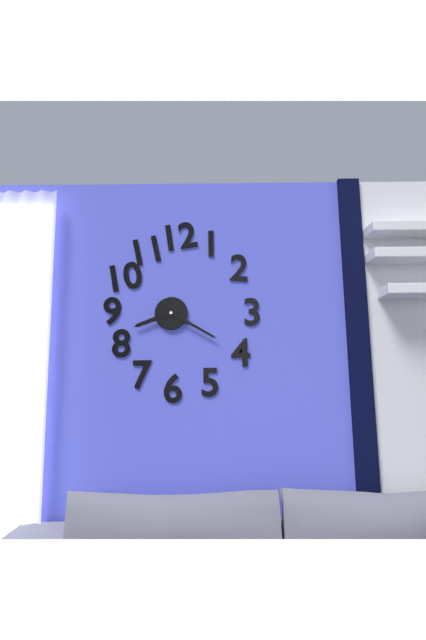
8h20
